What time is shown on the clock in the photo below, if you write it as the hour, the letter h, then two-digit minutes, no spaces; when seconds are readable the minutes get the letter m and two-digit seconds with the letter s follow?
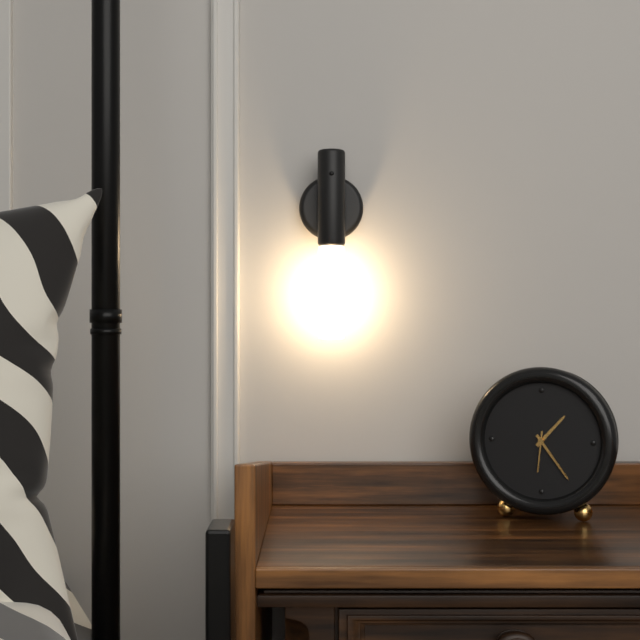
1h24
